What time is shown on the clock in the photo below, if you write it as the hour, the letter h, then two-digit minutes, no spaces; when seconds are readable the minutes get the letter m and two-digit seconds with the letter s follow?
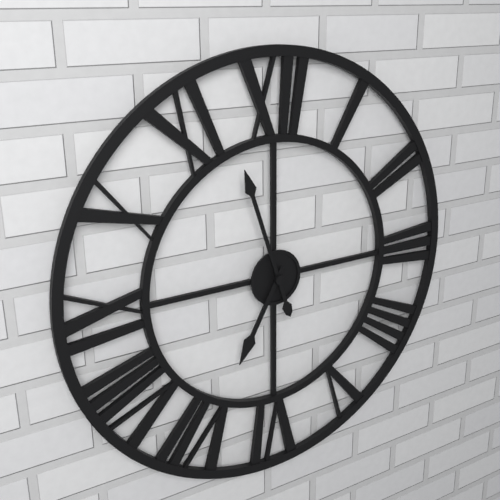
6h57
